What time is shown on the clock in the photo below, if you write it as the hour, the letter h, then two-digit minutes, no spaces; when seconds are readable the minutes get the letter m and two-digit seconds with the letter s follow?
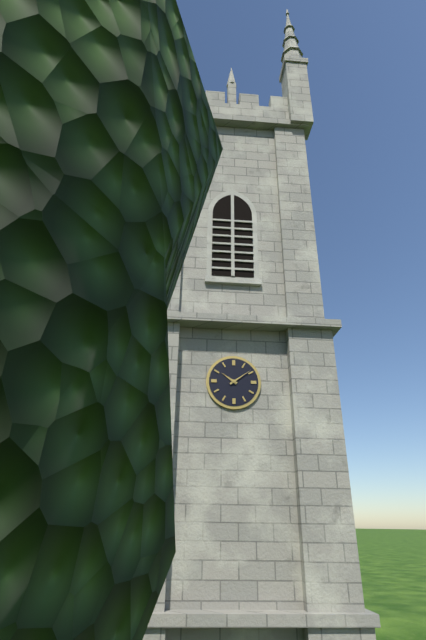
10h09
